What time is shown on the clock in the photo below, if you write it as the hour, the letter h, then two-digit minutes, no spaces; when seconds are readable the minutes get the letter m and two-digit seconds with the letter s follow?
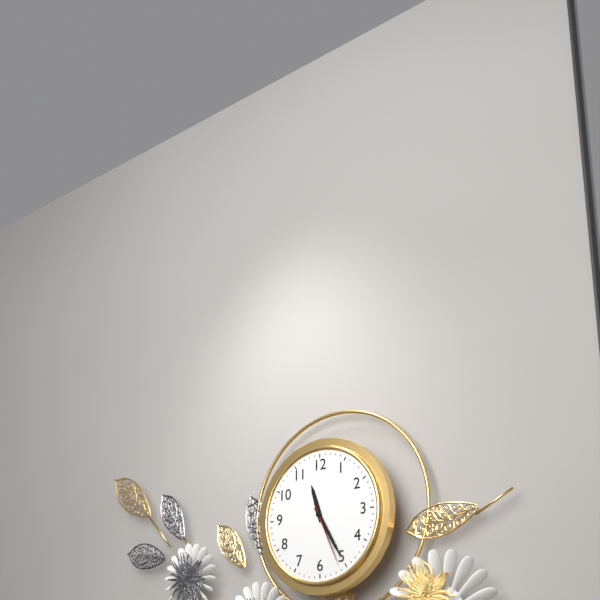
11h25m26s
